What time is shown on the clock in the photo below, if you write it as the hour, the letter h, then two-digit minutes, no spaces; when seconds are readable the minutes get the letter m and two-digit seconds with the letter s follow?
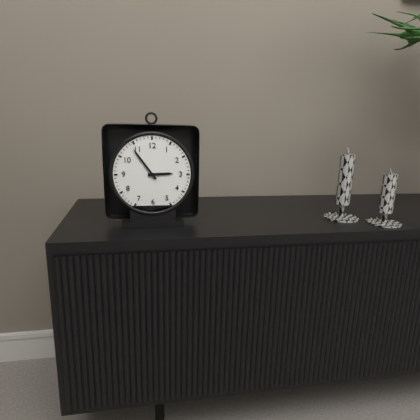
2h54
